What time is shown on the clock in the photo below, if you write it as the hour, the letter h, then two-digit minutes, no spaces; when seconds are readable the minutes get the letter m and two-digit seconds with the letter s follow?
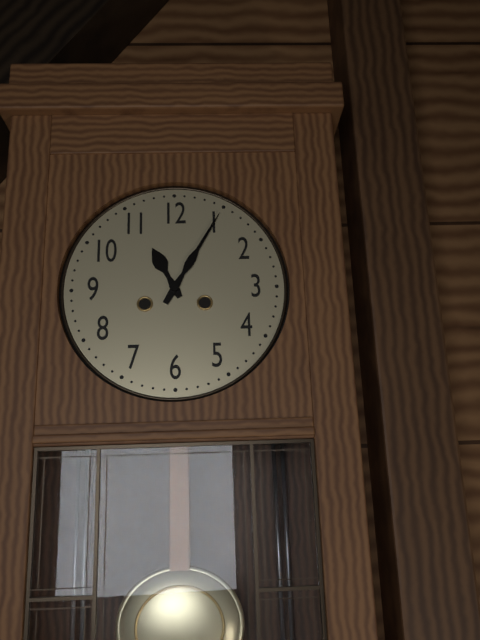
11h05
